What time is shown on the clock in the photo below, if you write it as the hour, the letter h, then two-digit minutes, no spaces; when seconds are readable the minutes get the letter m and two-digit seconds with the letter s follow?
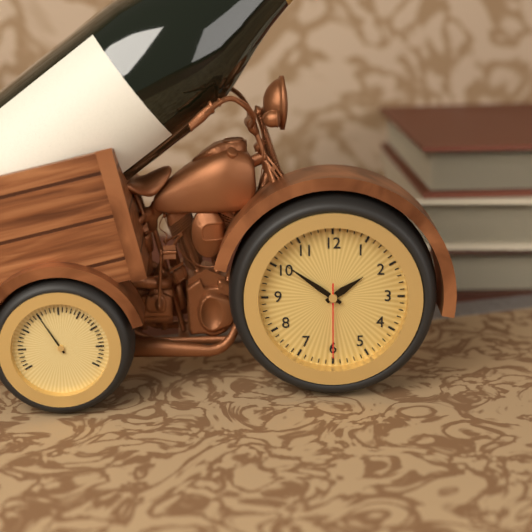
1h51m30s
